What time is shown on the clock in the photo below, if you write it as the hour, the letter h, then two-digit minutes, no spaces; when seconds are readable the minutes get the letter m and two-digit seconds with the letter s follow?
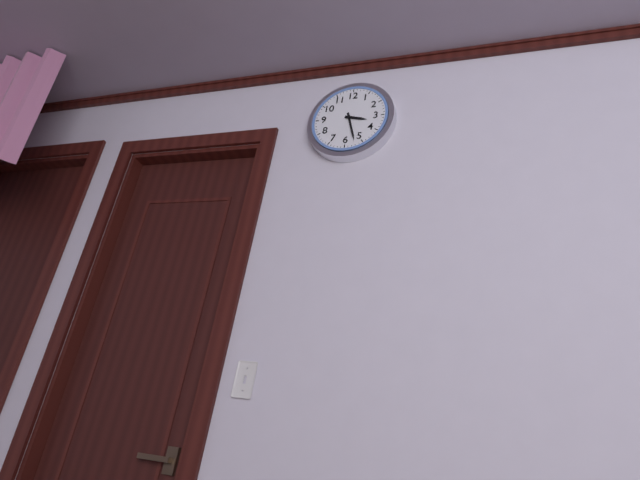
3h27
